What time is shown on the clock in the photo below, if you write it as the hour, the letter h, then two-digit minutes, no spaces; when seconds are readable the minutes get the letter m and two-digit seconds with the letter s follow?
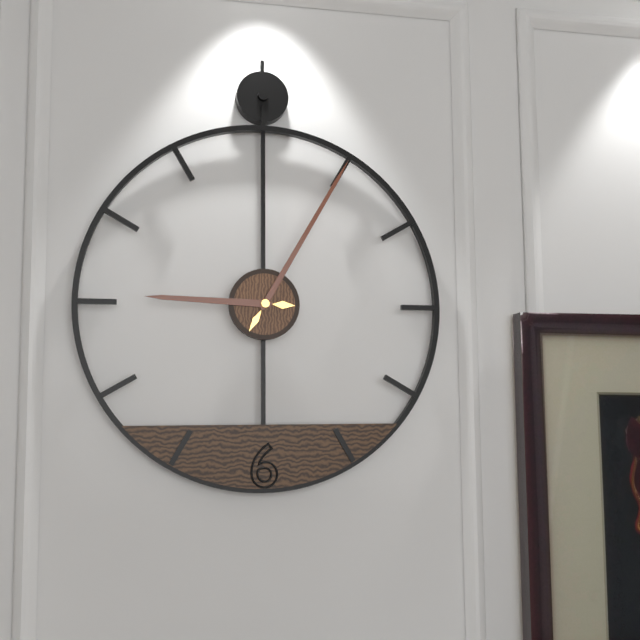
9h05
